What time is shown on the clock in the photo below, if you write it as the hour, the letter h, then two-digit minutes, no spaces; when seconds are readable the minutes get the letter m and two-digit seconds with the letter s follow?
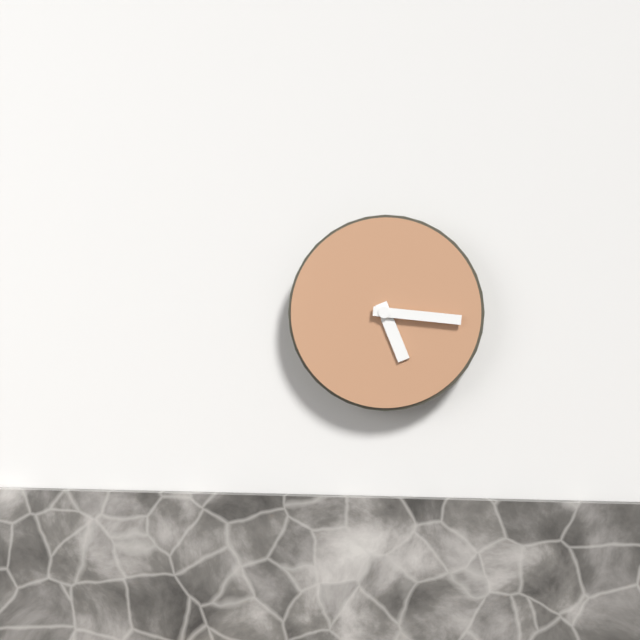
5h16
